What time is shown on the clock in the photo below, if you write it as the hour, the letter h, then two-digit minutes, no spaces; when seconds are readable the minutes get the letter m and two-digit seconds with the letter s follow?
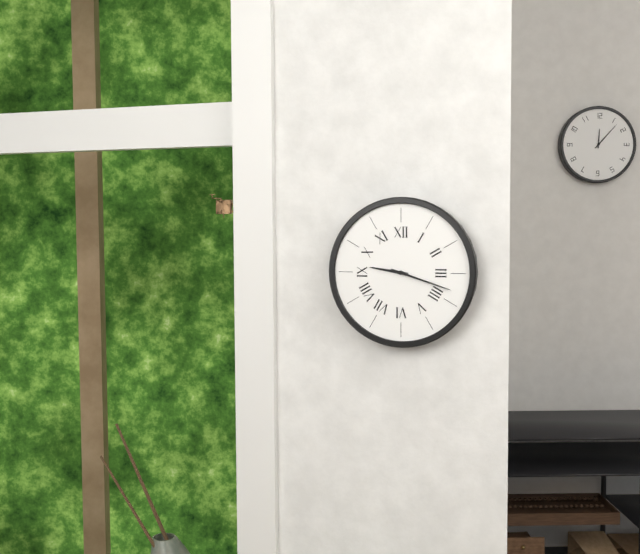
9h18
